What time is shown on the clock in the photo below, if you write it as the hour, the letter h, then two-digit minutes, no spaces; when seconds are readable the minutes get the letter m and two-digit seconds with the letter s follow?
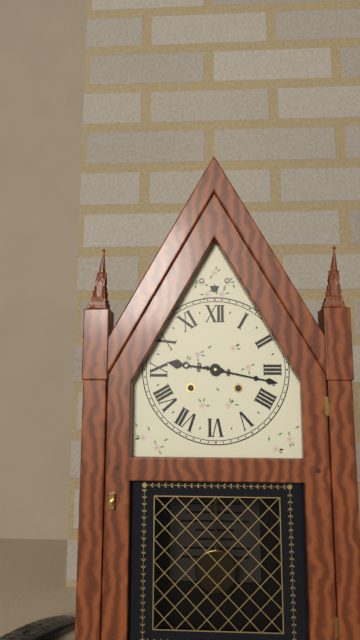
9h17
